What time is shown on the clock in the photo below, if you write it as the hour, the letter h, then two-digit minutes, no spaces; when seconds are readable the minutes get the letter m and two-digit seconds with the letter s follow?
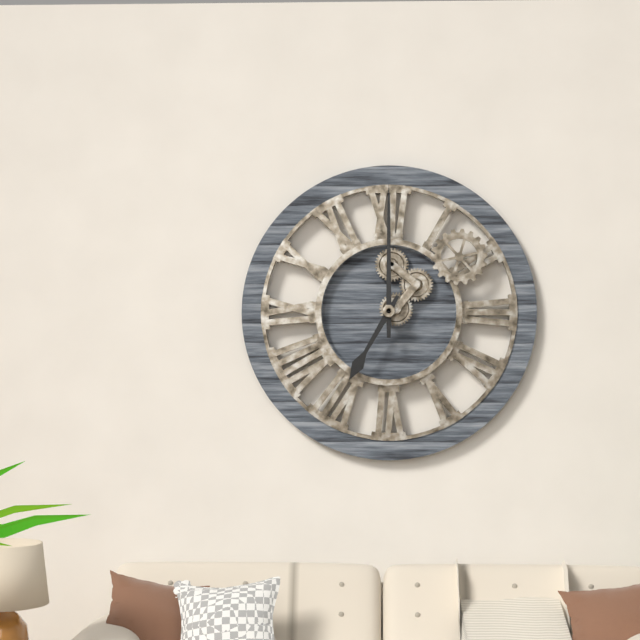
7h00
